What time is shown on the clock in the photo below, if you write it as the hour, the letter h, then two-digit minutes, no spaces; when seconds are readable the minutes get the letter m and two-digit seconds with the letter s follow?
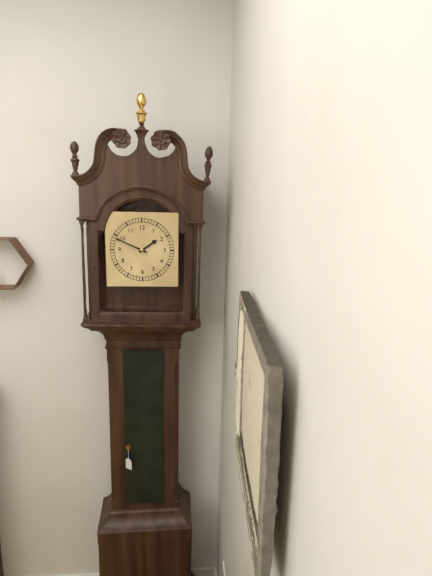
1h49
